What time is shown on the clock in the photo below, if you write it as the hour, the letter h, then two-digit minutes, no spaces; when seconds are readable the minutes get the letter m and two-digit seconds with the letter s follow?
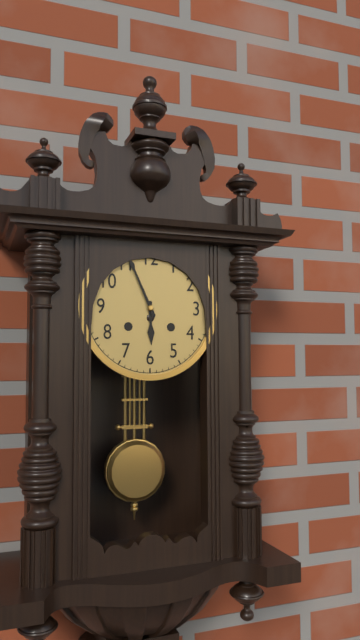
5h56
